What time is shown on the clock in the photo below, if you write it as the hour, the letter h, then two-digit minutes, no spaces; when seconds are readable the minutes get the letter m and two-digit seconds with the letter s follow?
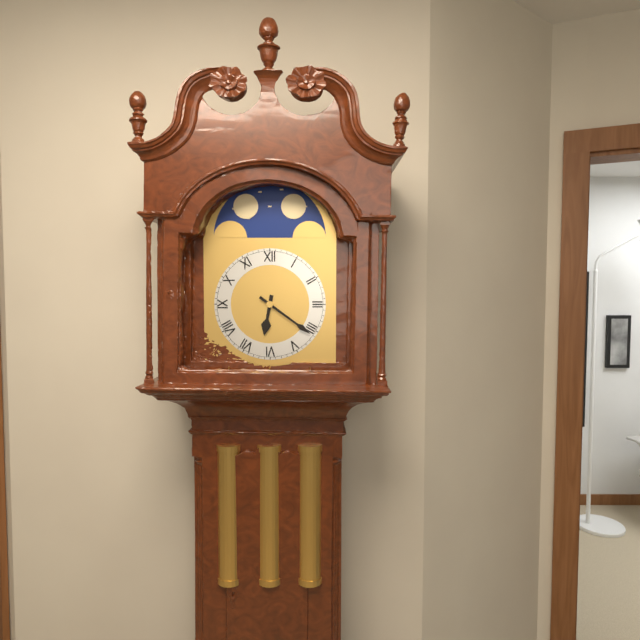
6h21
